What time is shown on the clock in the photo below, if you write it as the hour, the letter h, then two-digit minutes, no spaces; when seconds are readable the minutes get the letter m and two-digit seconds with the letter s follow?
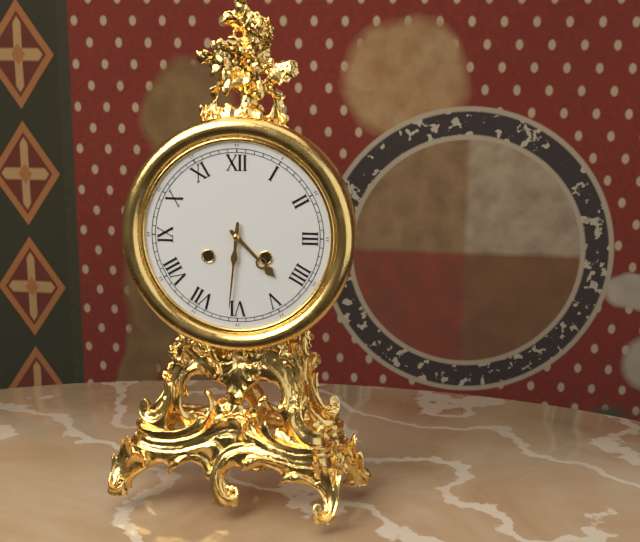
4h31
